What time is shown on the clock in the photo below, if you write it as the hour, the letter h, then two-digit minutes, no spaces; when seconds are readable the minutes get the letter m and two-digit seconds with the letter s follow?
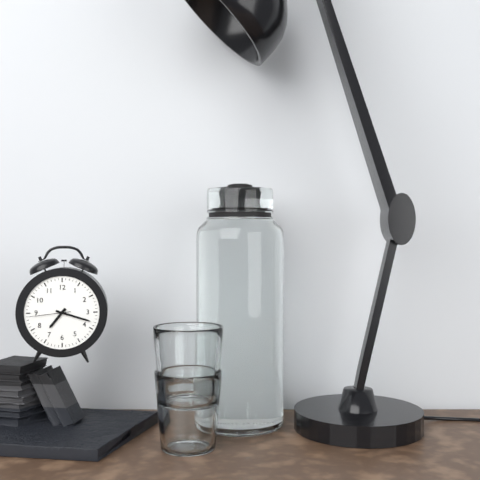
7h18
